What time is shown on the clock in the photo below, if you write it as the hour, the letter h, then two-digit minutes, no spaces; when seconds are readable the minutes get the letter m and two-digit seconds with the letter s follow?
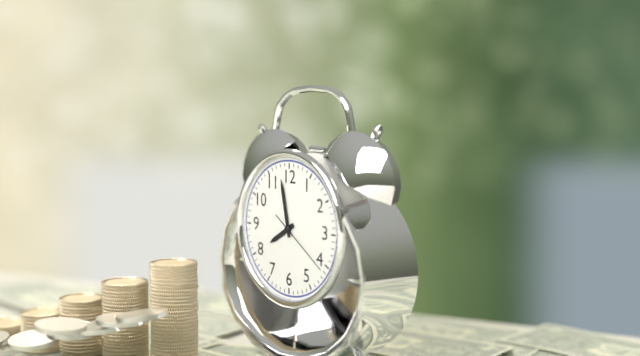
7h58m21s
